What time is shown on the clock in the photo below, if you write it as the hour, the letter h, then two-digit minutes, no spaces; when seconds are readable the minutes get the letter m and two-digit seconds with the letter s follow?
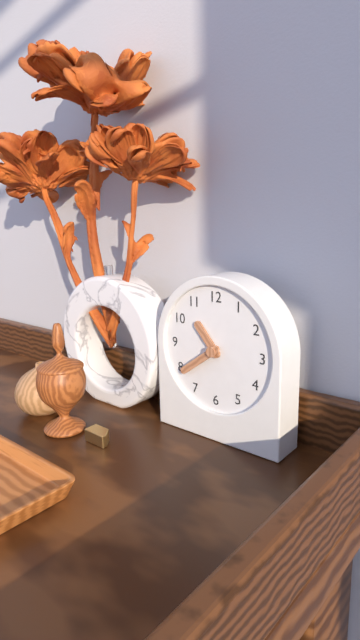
10h39
